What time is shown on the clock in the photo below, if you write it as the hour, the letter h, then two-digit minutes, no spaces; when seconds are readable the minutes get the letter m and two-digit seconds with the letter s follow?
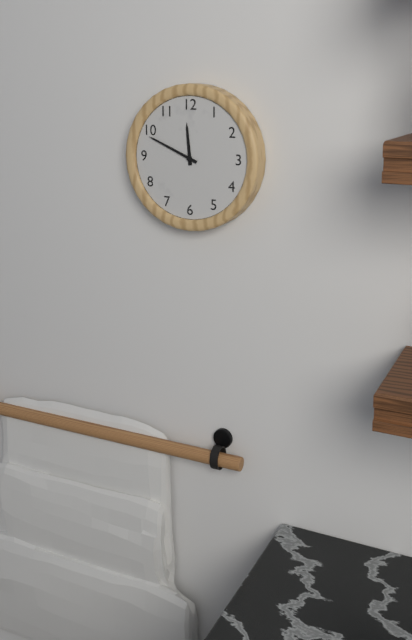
11h49
